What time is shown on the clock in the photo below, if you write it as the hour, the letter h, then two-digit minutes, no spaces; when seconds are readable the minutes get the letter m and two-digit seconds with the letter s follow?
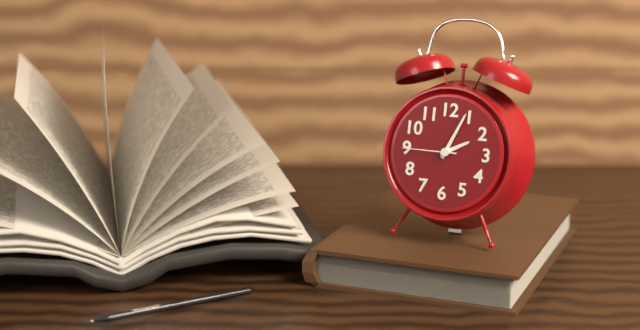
2h04m45s
